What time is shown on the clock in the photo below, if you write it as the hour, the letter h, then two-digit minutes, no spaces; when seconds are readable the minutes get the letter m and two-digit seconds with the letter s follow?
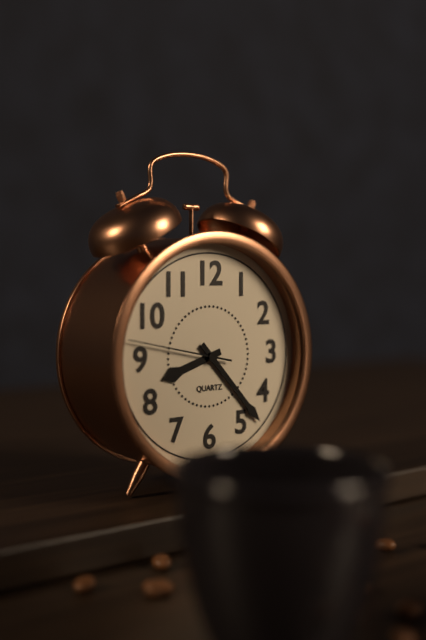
8h23m47s
